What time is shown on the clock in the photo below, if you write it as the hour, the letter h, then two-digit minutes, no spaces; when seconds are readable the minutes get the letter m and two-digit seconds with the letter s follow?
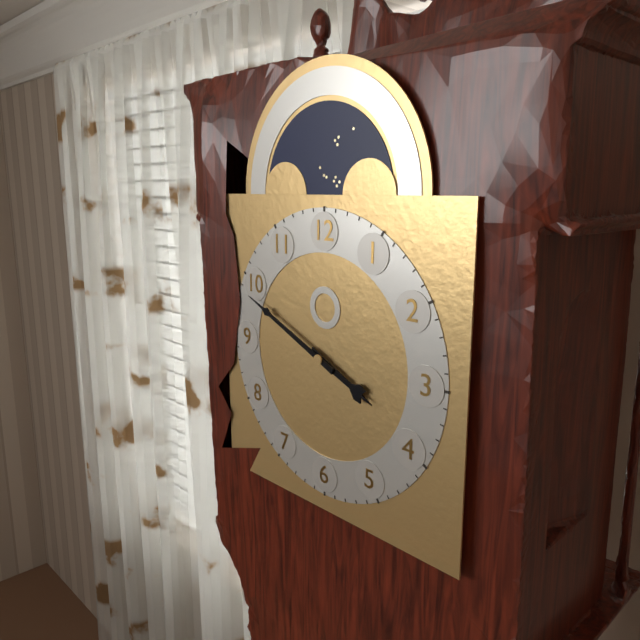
3h49
